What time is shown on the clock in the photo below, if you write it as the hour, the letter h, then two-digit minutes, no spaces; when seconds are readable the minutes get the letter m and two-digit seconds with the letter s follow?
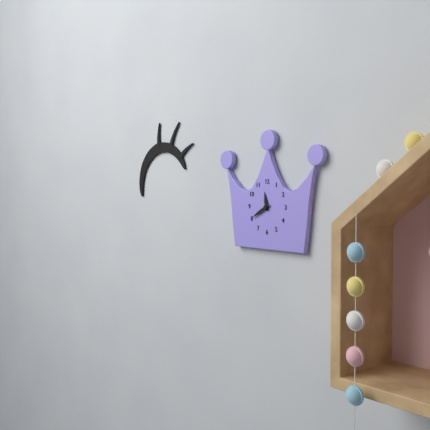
11h40
